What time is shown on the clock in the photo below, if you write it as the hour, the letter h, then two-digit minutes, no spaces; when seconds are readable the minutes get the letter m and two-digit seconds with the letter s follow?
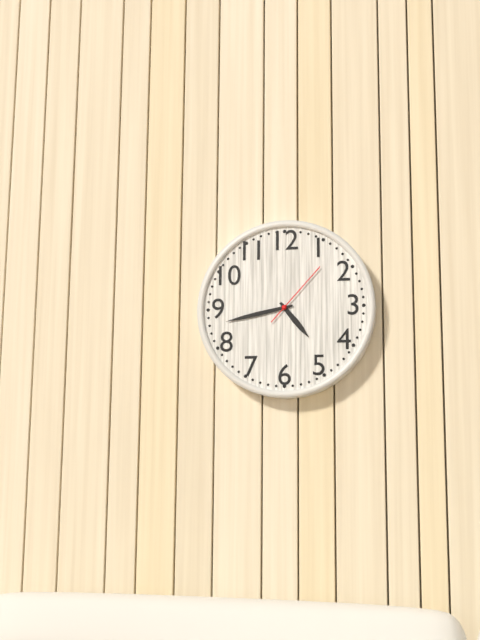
4h43m07s
